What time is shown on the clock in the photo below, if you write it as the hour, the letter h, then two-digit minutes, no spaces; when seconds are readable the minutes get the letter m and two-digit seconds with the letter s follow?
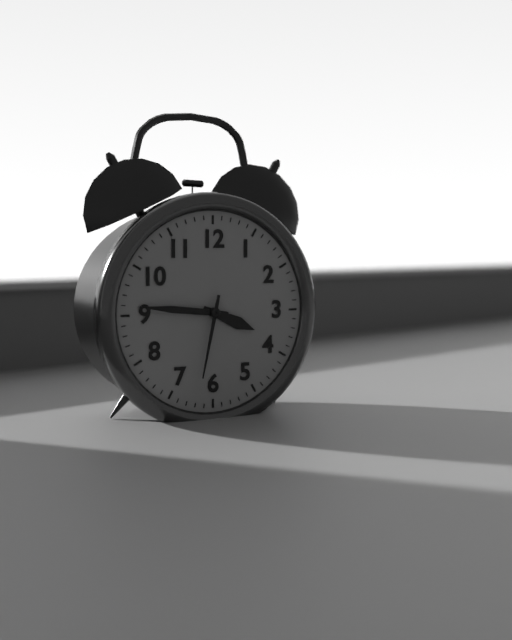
3h46m32s
